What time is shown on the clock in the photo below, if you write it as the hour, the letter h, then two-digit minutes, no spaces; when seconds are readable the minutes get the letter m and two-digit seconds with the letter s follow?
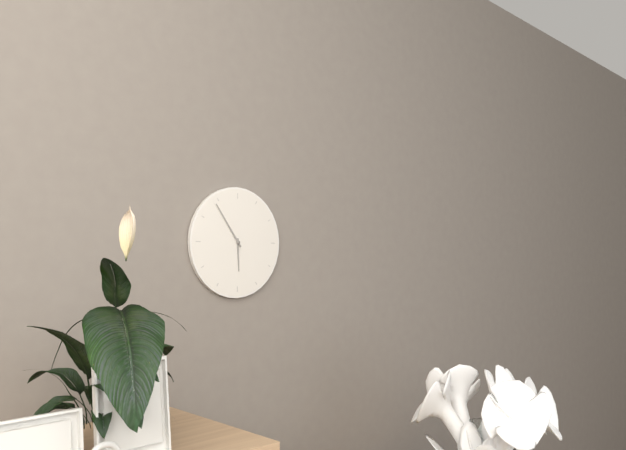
5h54
